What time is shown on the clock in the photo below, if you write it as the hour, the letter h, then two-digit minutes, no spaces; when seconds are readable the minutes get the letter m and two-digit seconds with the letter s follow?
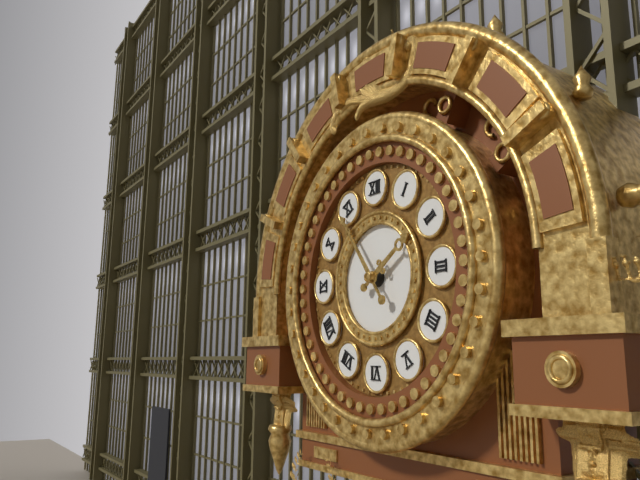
1h54
